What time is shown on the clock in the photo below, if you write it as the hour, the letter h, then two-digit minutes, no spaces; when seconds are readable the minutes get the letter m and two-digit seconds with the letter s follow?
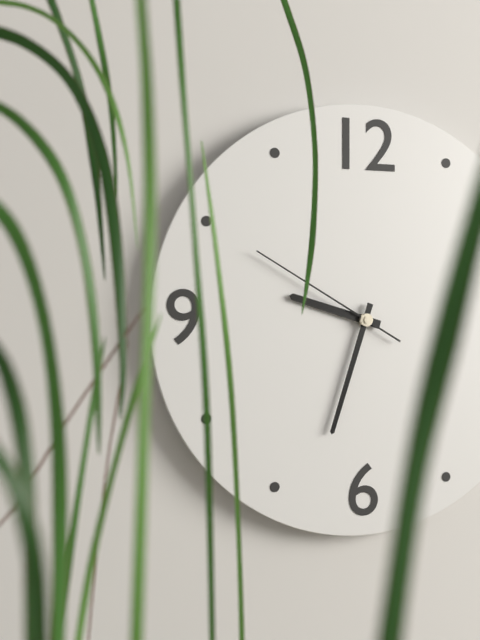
9h33m50s
